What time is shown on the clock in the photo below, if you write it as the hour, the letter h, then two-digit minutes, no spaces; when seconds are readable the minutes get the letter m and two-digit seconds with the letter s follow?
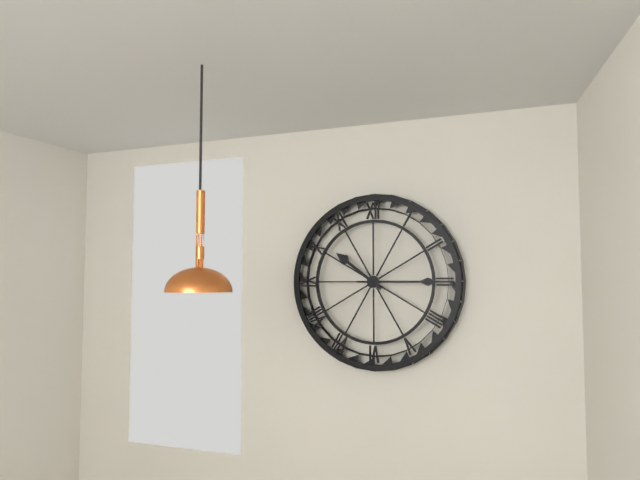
10h15
